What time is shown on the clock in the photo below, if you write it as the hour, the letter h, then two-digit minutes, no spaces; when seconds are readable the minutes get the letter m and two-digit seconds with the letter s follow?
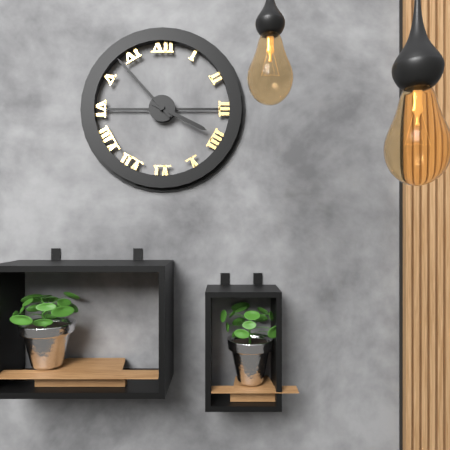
3h53
